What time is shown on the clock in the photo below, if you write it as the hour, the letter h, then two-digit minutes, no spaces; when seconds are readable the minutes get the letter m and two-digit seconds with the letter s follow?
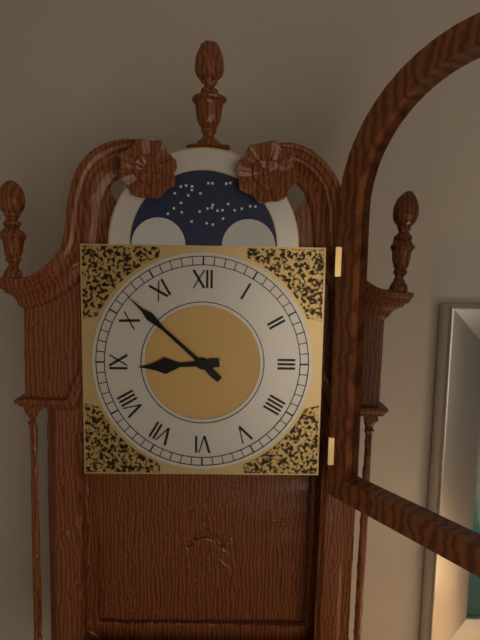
8h52
